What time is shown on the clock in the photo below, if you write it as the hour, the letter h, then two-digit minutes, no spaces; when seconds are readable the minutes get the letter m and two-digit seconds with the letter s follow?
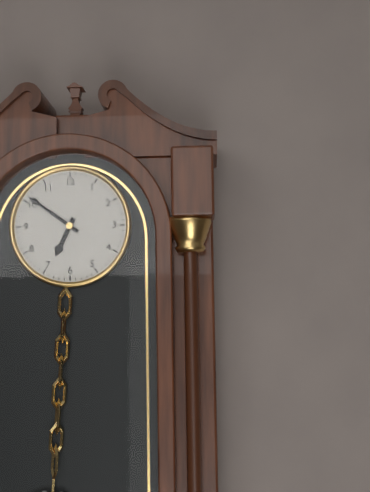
6h51
